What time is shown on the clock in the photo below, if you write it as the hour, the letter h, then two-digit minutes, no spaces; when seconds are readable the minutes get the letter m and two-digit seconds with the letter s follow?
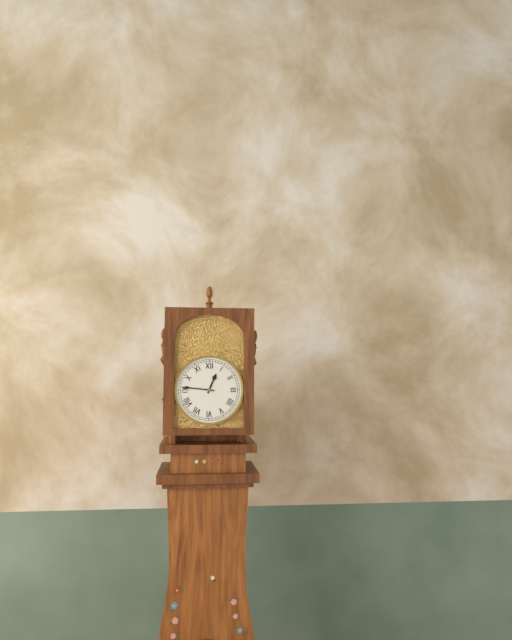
12h46
